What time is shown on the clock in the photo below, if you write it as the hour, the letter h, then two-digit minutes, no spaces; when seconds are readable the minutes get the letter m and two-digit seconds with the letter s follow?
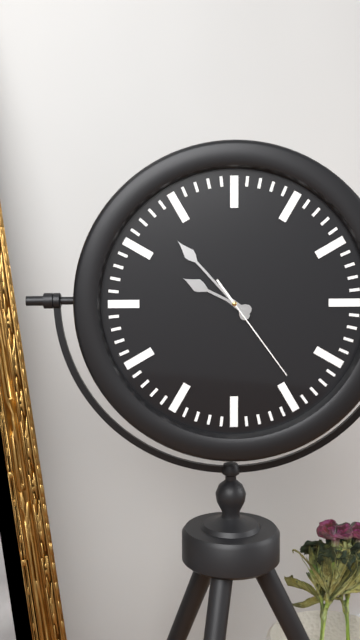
9h53m24s
